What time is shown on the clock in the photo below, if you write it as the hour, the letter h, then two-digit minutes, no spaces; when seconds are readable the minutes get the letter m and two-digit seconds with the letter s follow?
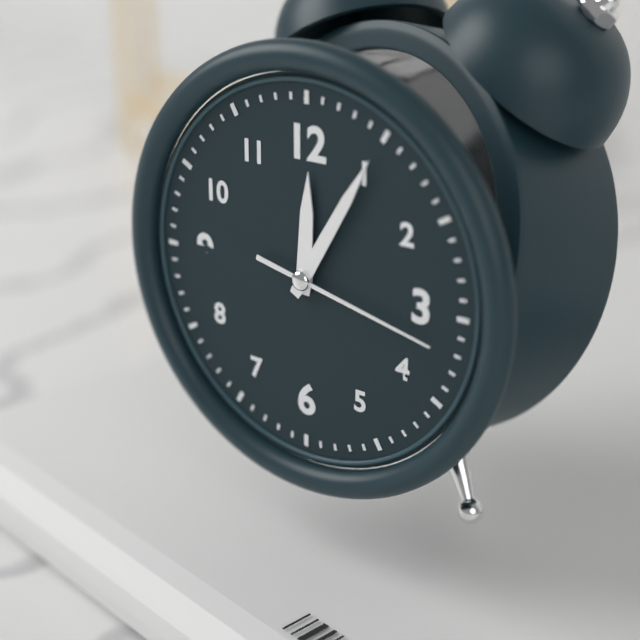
12h05m17s
